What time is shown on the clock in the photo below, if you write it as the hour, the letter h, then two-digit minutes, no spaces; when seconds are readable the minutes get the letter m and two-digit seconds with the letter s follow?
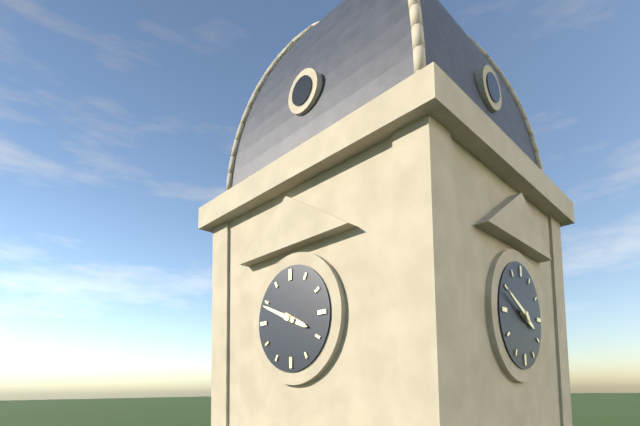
3h49
